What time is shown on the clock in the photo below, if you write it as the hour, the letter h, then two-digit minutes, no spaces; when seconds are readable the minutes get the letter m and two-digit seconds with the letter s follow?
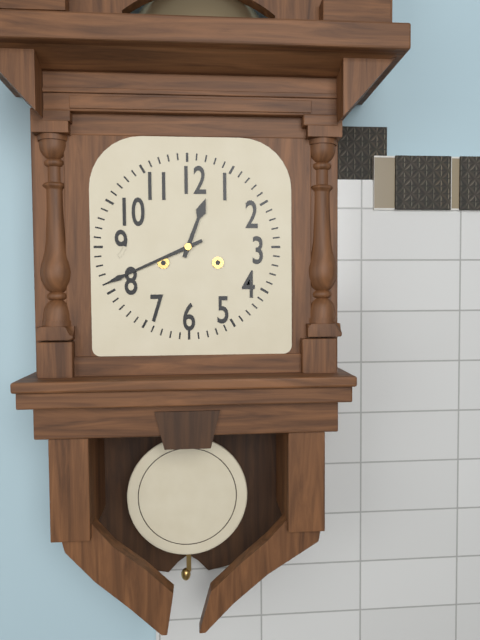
12h41
